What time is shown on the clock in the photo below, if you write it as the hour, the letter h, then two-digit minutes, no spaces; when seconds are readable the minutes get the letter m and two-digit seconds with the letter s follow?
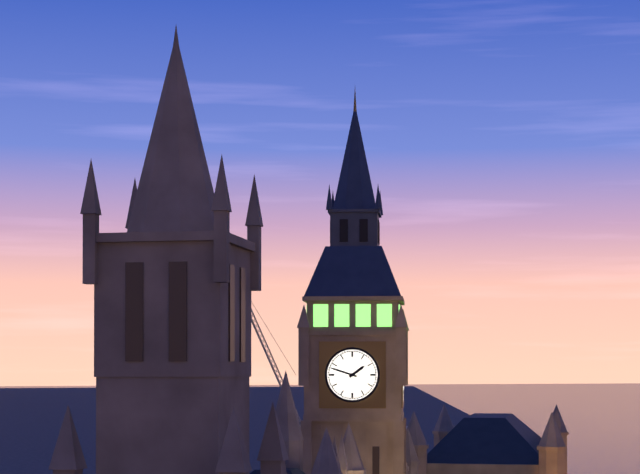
1h48
